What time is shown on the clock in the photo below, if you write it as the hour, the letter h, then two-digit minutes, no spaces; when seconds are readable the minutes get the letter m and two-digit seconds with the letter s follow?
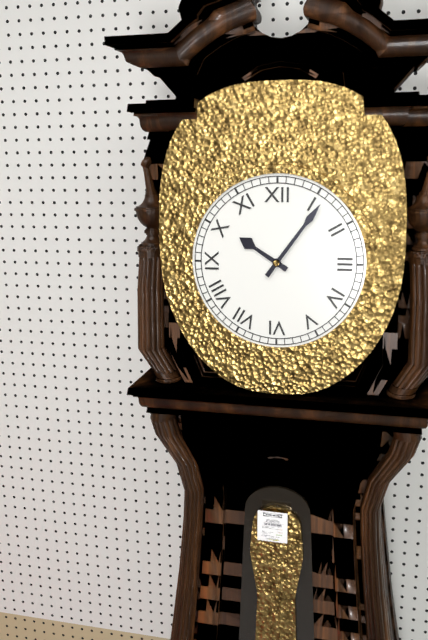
10h06
